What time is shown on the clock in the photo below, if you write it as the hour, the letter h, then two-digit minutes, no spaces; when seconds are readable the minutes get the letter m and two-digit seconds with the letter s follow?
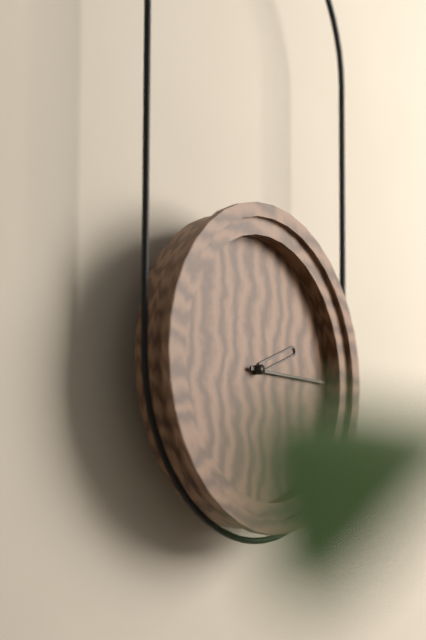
2h15
